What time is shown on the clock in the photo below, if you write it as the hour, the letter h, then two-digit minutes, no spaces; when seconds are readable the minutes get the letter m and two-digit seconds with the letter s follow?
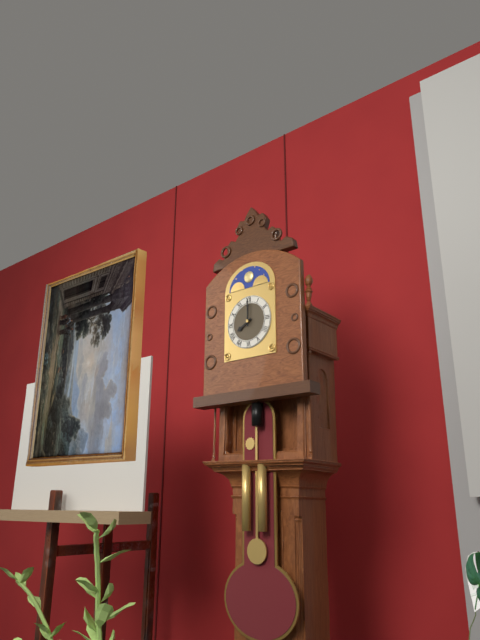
8h00
